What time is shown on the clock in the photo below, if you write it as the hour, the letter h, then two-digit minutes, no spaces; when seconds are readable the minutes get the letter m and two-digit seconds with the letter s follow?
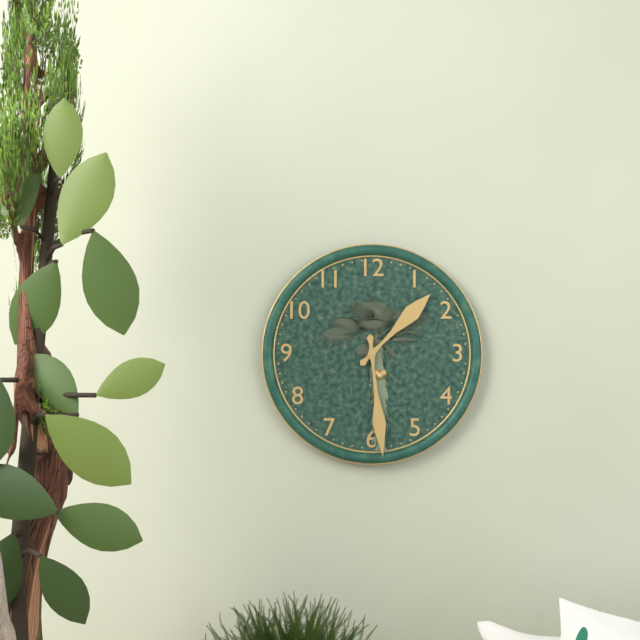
1h29
